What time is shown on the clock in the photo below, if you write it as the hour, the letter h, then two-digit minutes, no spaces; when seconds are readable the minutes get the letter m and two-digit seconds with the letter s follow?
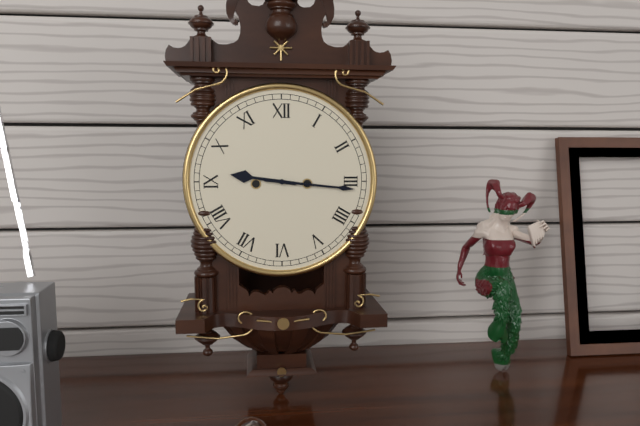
9h16
